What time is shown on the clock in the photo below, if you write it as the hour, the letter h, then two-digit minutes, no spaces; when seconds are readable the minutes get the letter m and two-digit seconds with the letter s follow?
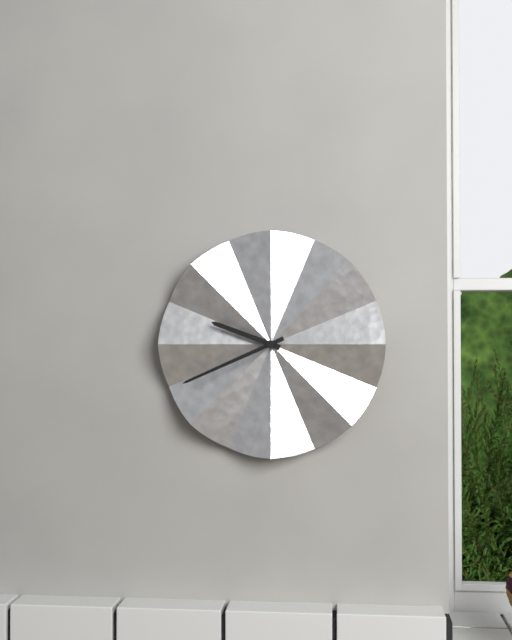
9h41
